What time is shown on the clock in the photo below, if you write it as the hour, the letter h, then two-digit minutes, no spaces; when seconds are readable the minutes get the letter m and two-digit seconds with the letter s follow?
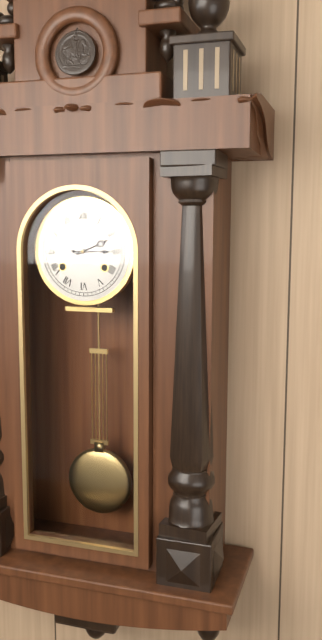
2h15
